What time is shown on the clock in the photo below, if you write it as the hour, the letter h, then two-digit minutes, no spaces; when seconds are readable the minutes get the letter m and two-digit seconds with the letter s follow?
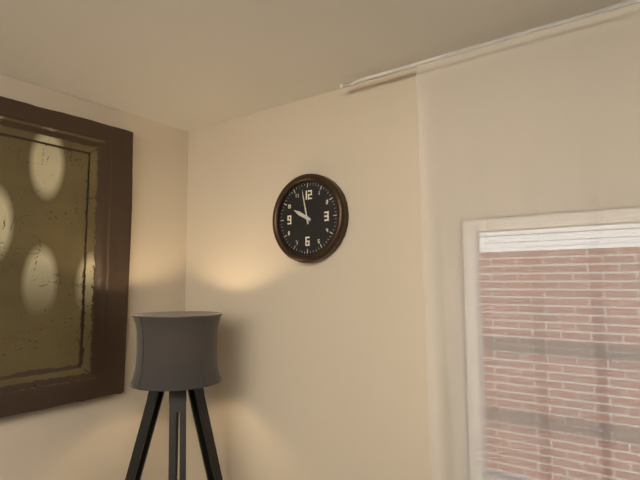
9h58
